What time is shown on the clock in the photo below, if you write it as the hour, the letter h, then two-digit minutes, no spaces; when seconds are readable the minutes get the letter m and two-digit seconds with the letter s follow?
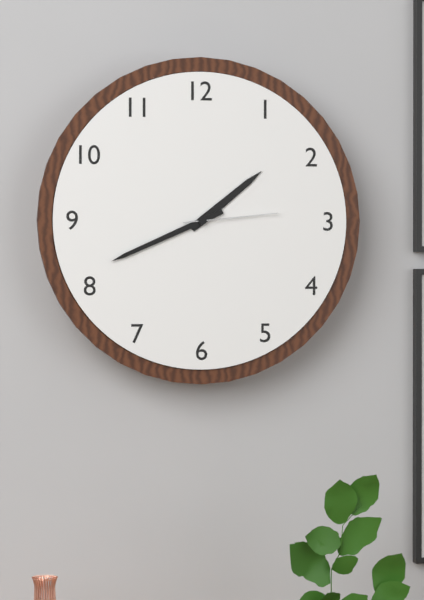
1h41m14s
